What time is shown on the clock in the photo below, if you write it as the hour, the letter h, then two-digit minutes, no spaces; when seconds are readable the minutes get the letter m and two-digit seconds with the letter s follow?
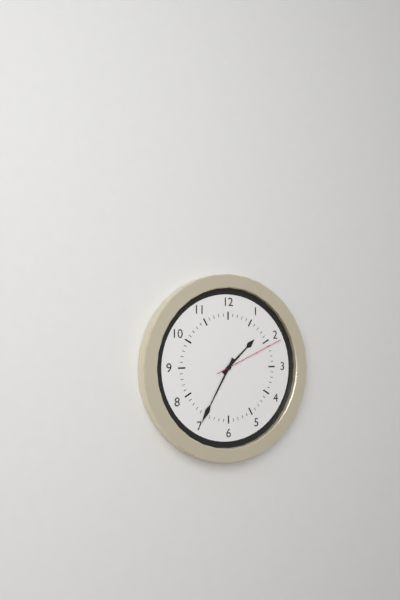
1h35m11s
